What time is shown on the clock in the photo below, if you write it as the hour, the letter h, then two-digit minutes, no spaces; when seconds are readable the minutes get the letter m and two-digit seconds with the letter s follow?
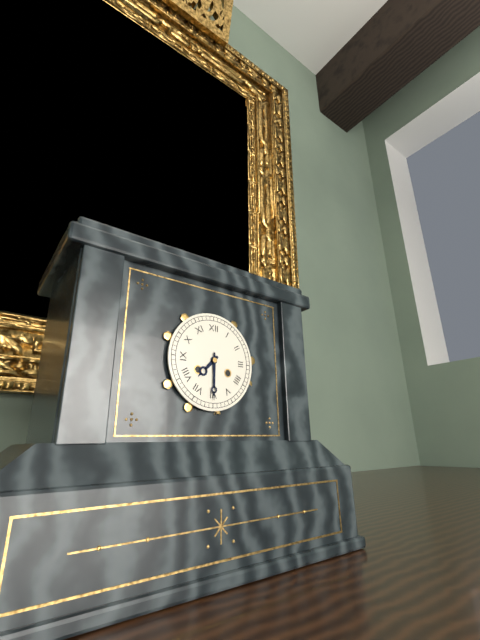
7h30
